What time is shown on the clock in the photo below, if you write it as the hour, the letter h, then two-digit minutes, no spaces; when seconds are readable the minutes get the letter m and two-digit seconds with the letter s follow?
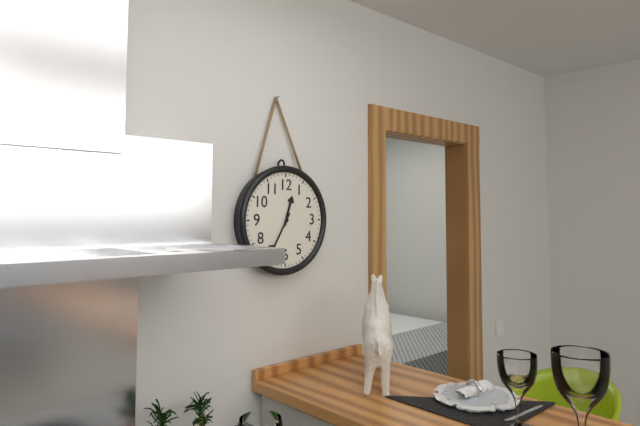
12h35
